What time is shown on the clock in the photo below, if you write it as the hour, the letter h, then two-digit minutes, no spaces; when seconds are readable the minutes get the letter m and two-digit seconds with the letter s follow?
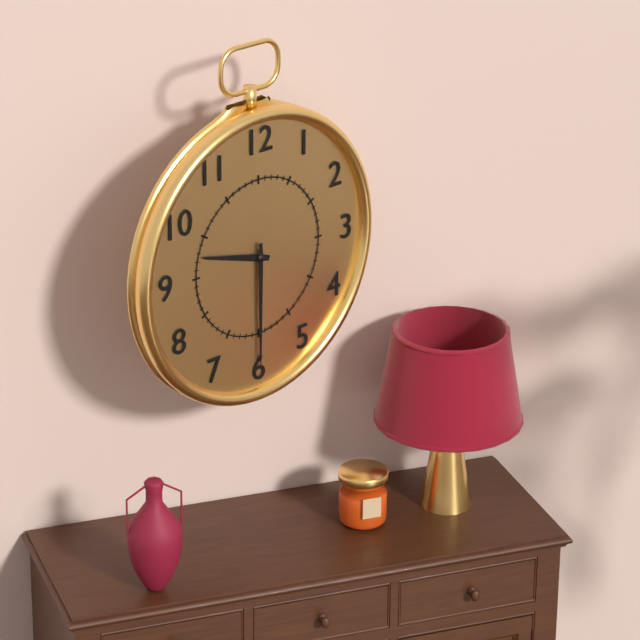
9h30
